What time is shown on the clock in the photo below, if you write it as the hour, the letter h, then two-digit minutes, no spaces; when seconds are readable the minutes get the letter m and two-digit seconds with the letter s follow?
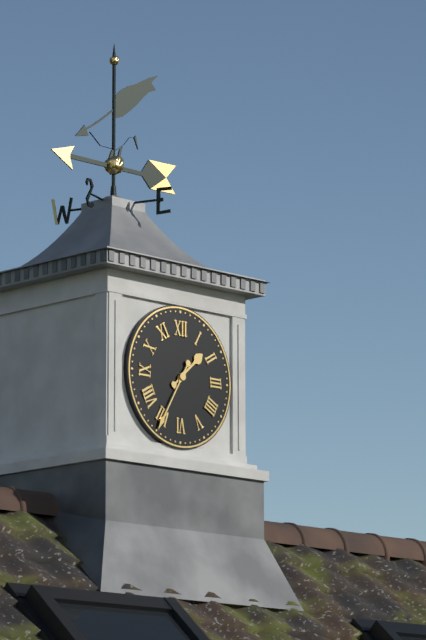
1h35
